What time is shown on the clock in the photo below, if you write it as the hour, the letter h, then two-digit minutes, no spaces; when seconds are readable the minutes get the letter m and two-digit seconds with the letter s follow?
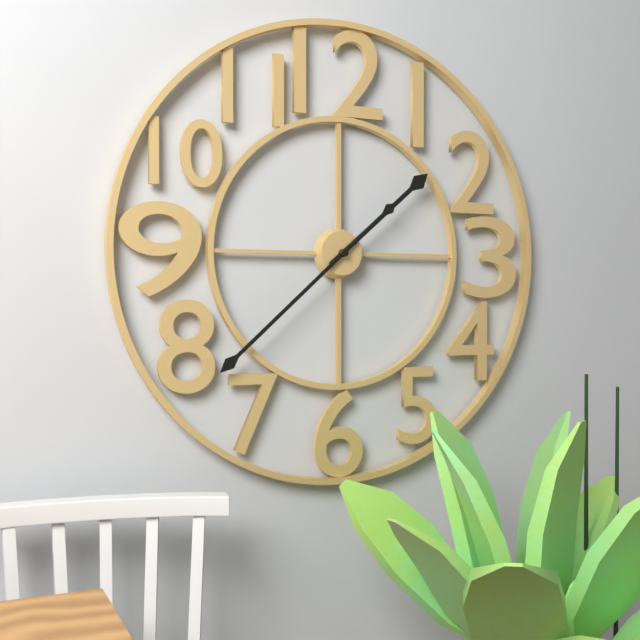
1h38
